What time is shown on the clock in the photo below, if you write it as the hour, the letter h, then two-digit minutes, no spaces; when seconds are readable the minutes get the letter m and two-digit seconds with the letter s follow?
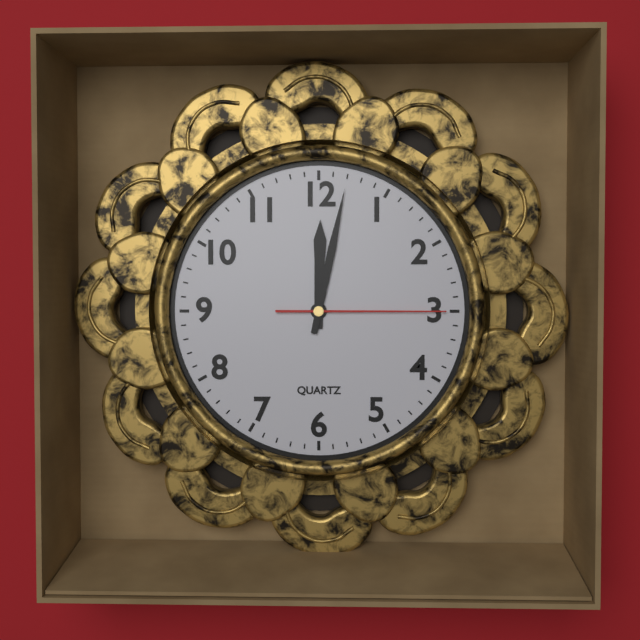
12h02m15s
